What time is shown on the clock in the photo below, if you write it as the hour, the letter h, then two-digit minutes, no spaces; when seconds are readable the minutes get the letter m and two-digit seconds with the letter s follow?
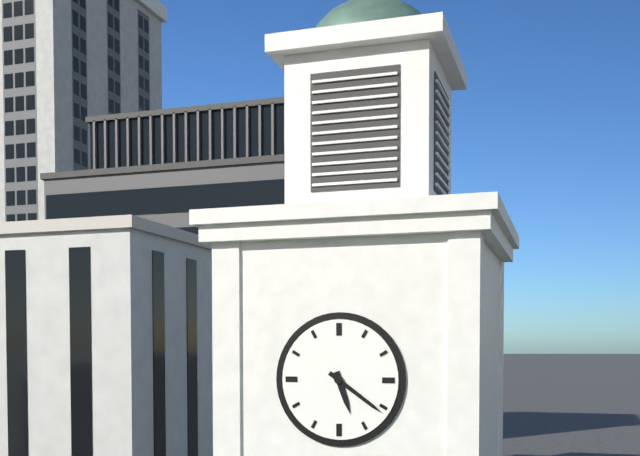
5h21
